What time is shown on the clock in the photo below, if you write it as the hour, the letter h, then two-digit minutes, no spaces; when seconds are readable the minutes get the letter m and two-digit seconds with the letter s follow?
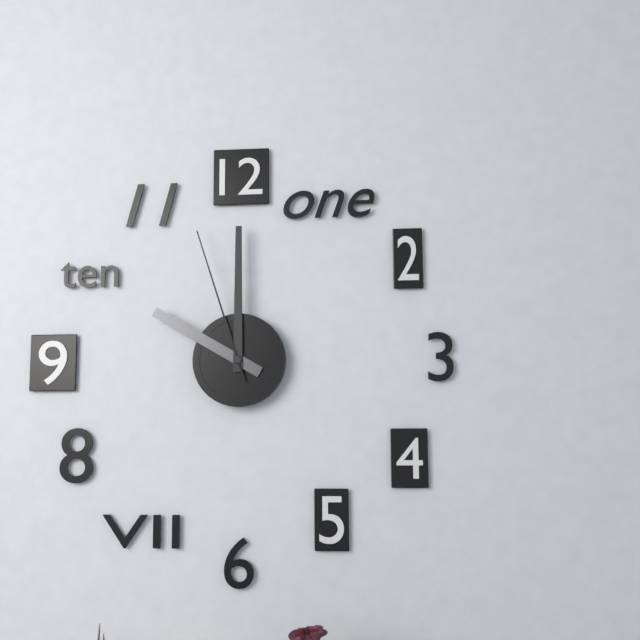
10h00m57s
